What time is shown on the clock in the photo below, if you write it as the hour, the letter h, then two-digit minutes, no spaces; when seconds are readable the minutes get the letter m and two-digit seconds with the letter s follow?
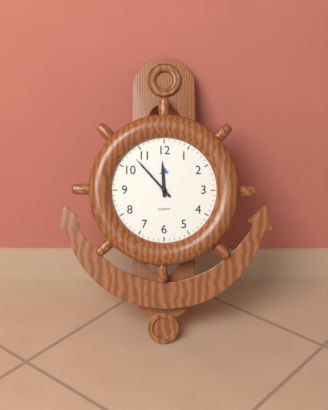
11h53
